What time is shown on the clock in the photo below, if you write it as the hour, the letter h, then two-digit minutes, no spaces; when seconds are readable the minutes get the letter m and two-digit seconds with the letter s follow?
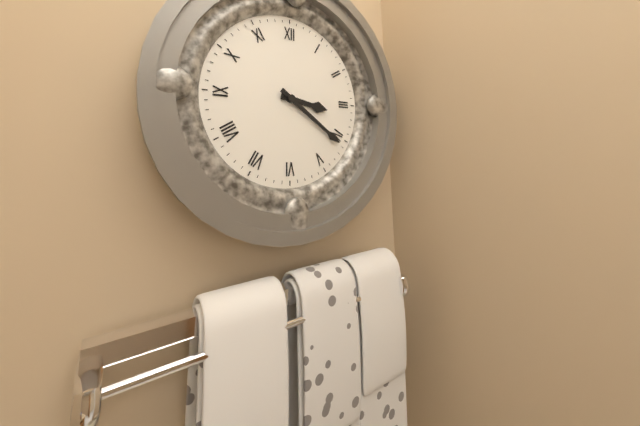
3h21
